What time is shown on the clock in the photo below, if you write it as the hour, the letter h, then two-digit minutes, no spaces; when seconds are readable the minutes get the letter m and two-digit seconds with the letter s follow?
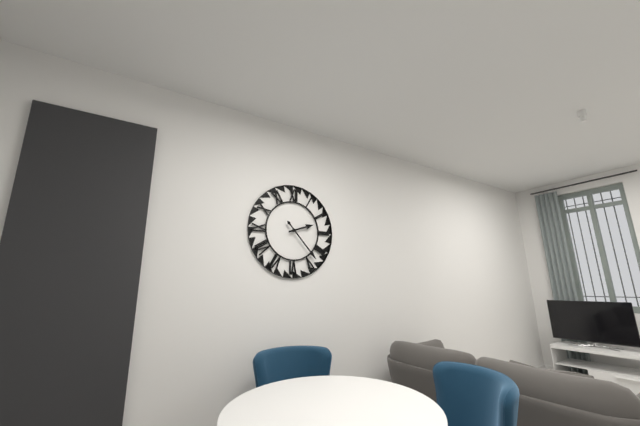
2h23
